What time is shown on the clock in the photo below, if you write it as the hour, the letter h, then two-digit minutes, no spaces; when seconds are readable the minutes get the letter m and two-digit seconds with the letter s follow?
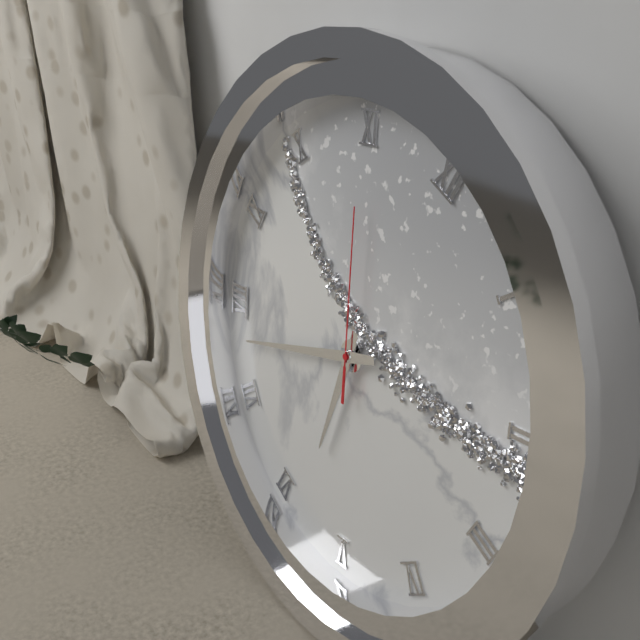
5h38m55s
